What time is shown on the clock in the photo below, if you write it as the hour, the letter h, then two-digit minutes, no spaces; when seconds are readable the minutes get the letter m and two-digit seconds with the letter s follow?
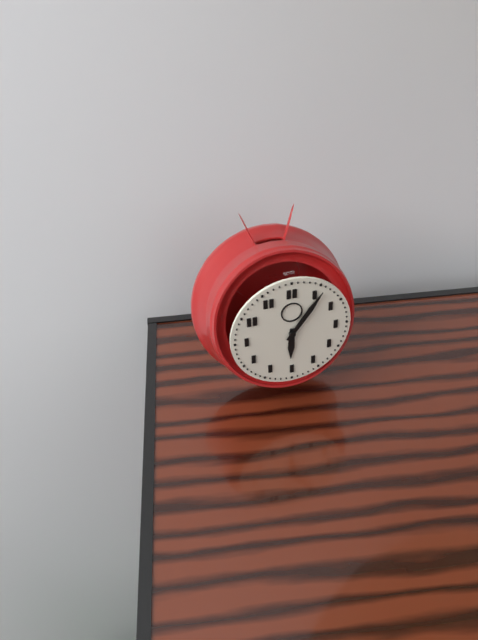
6h06
